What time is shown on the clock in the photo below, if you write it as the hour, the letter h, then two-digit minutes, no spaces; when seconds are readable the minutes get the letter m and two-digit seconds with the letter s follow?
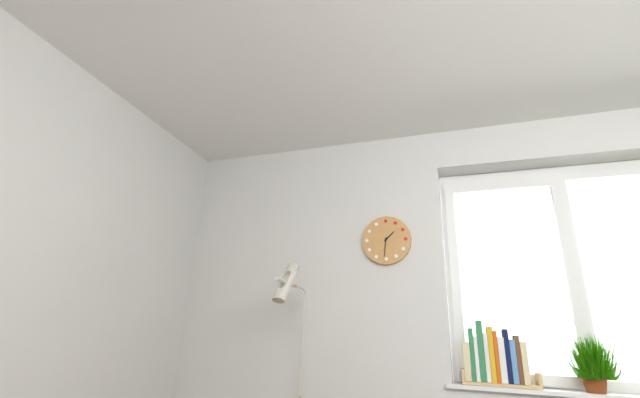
1h31
